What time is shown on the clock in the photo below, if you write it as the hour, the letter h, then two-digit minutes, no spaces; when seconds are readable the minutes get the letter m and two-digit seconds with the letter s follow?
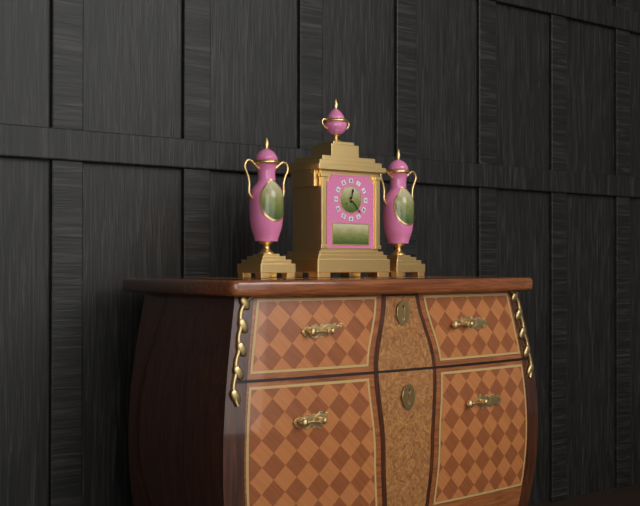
12h23
